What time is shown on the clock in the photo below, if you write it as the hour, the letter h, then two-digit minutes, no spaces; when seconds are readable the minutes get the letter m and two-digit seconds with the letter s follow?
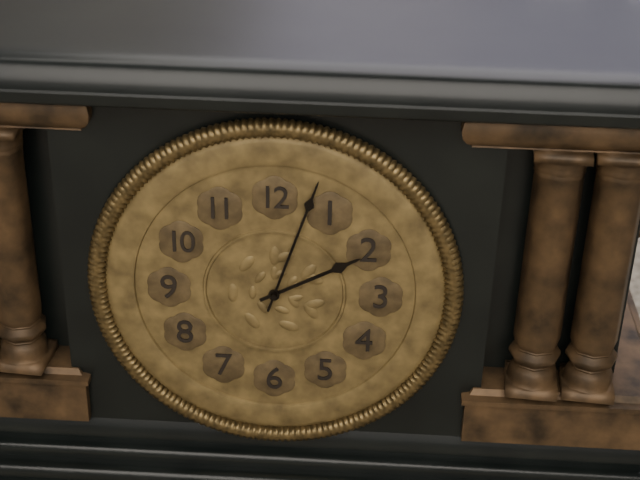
2h03
